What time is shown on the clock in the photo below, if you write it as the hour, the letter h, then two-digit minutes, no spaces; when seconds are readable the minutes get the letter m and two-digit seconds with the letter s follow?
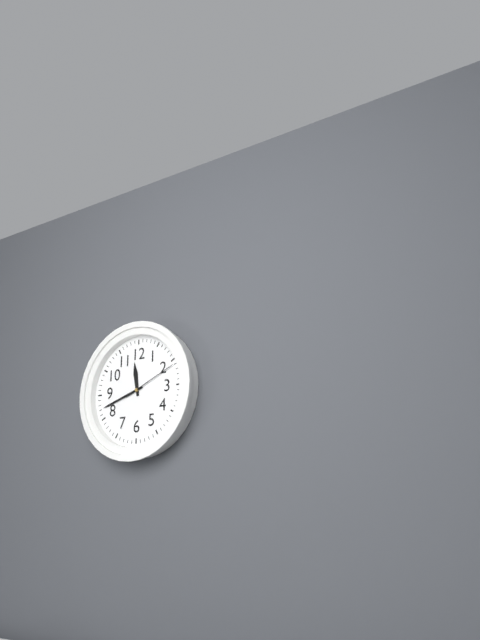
11h42m11s
